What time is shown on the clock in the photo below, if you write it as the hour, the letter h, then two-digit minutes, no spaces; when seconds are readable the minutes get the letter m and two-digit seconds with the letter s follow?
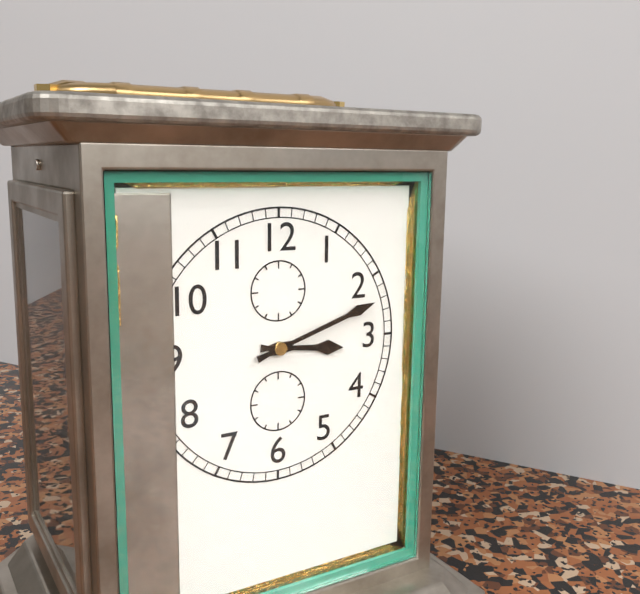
3h12
